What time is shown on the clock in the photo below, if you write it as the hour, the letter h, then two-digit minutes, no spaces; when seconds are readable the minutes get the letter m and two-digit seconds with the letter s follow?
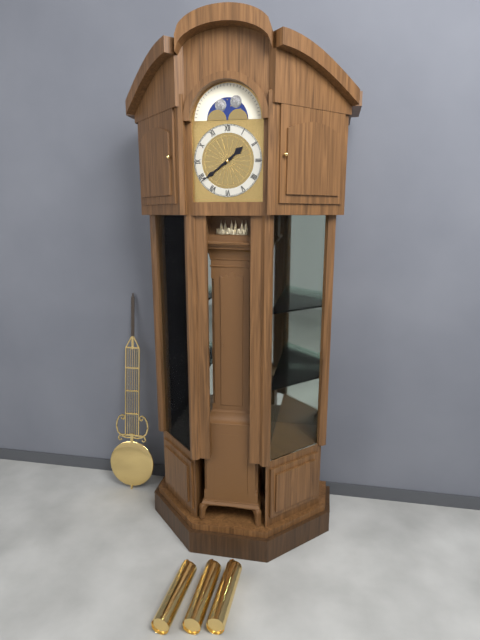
1h39
